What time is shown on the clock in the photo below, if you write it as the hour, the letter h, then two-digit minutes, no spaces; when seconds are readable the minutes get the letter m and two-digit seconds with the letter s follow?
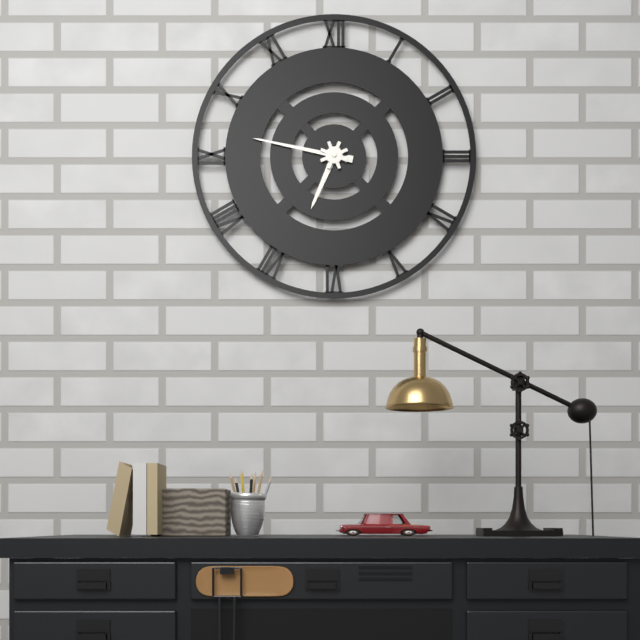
6h47
